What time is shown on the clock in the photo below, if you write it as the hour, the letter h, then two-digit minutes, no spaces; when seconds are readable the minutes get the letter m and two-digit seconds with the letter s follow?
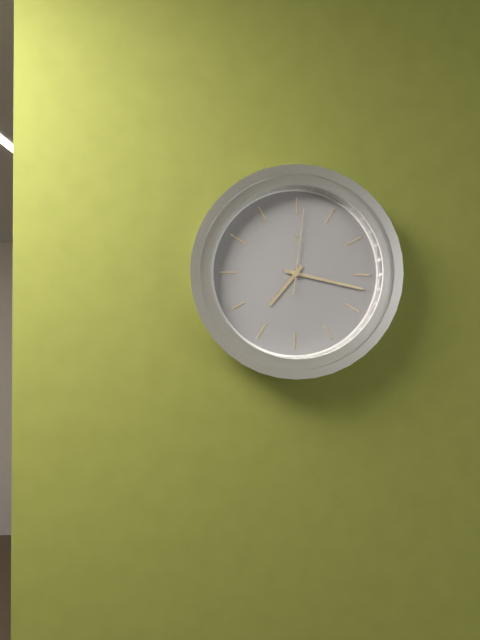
7h17m01s
